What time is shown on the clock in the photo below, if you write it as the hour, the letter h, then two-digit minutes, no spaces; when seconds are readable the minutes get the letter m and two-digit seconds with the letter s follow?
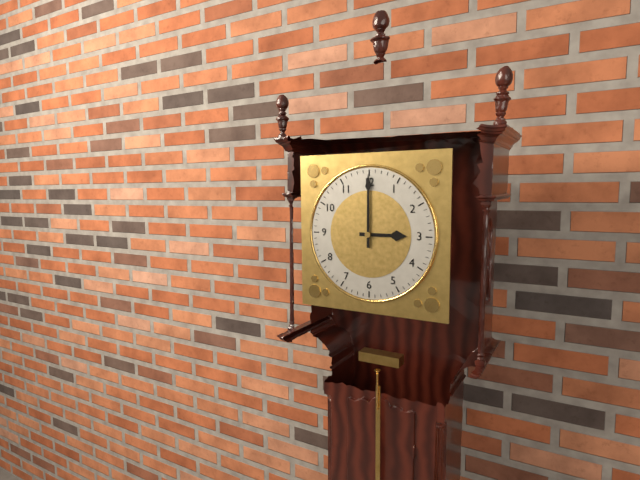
3h00
